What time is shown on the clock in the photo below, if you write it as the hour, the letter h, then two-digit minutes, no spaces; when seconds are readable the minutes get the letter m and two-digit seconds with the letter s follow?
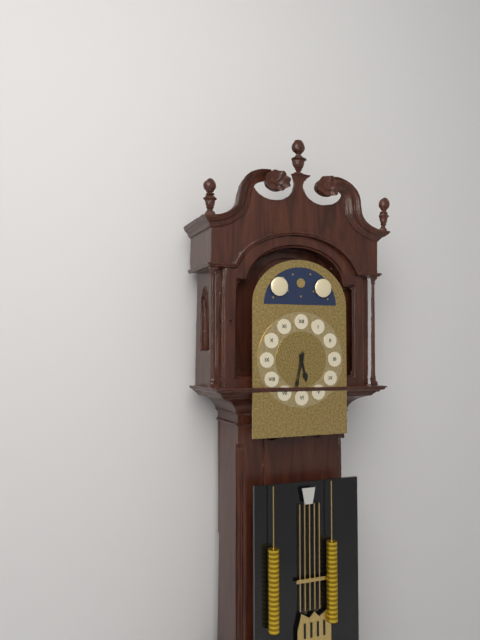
5h32
